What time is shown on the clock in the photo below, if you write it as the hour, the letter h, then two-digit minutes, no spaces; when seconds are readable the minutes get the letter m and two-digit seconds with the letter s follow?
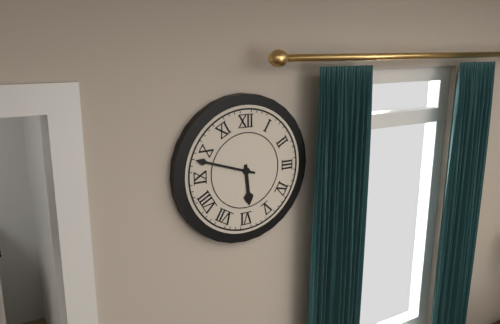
5h48
